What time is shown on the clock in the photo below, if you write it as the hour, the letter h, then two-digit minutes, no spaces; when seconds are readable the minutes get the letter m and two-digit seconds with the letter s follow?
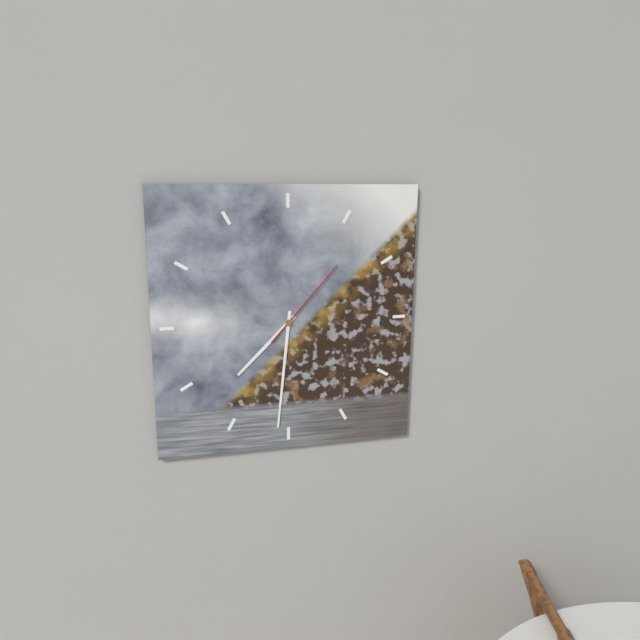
7h31m07s
